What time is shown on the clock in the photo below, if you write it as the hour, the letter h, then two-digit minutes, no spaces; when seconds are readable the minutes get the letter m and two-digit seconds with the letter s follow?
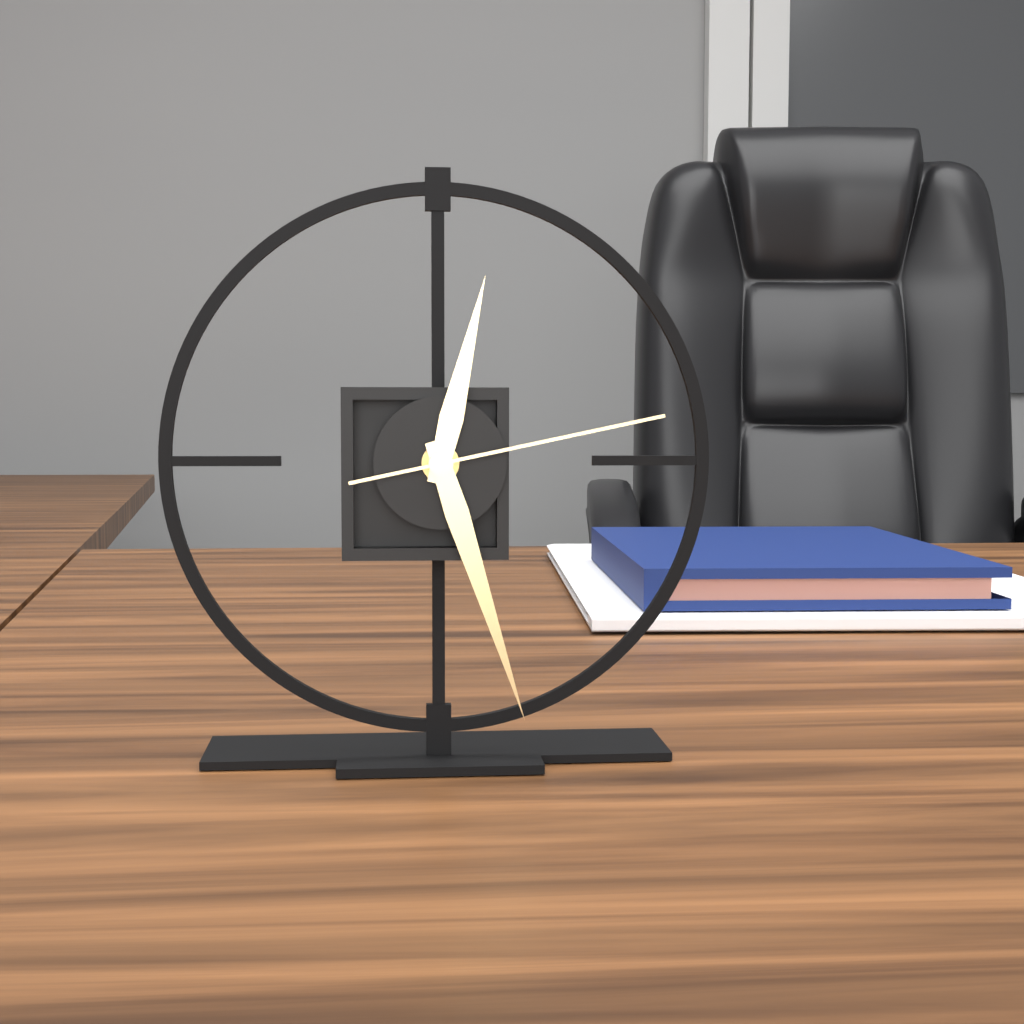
12h27m13s
